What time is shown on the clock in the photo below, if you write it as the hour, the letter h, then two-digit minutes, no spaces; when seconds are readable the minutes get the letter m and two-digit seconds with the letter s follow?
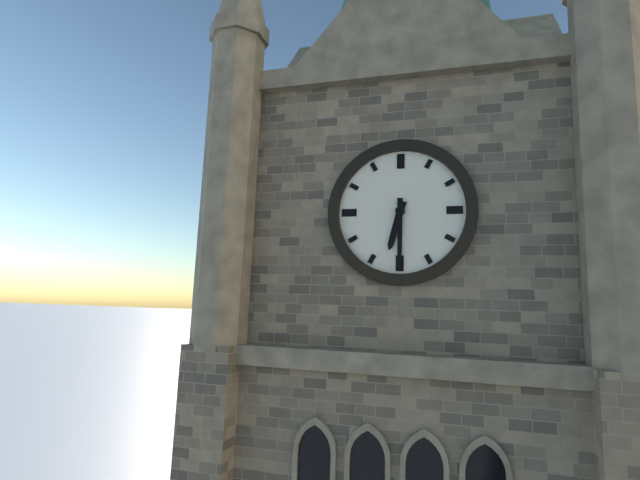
6h30
